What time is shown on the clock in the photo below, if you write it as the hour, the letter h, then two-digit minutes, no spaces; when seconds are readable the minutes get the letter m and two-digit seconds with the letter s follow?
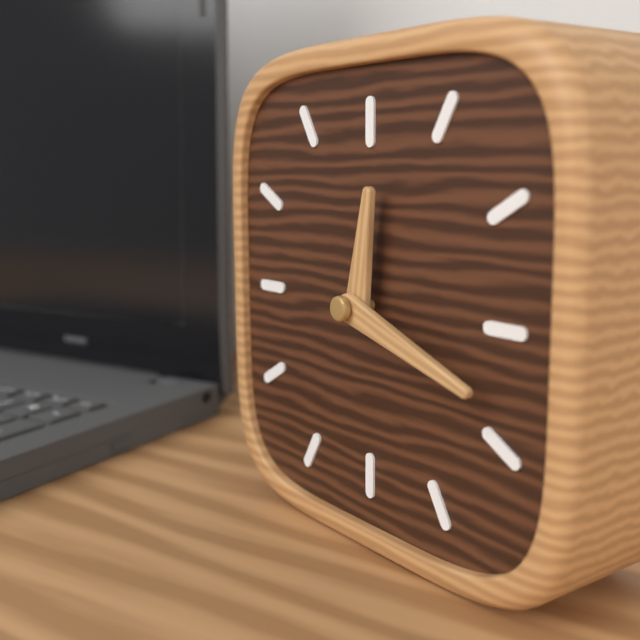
12h18
